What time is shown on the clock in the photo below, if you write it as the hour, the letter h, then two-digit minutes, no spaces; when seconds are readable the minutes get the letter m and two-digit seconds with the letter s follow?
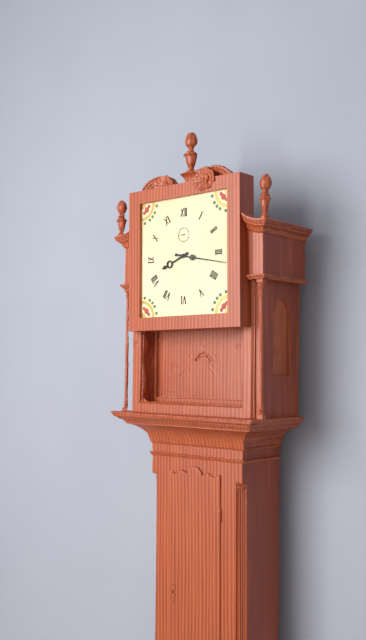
8h17
